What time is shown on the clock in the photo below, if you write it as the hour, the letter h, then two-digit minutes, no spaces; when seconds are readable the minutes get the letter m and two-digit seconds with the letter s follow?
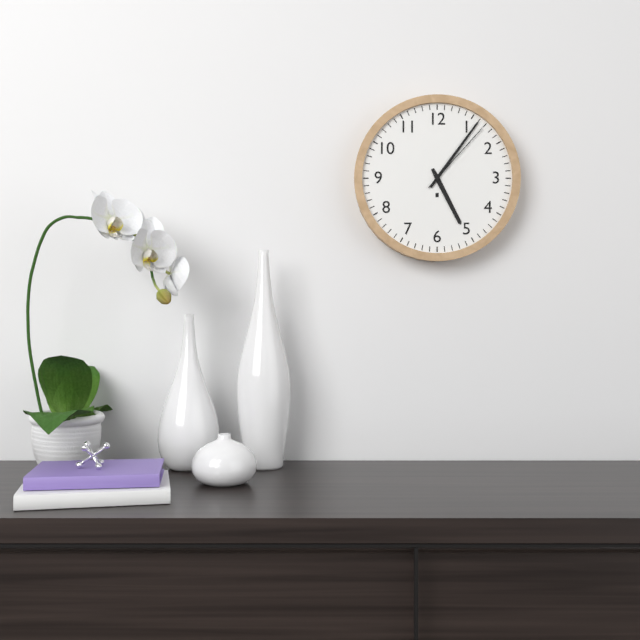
5h06m07s
